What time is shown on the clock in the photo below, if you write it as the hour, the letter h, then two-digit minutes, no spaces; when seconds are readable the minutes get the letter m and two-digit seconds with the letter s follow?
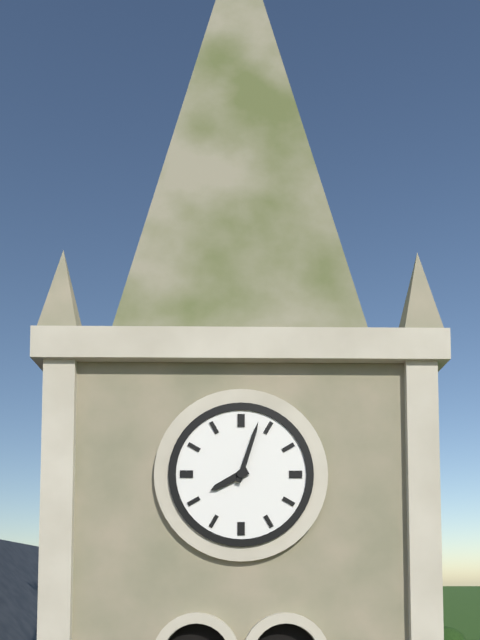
8h03
